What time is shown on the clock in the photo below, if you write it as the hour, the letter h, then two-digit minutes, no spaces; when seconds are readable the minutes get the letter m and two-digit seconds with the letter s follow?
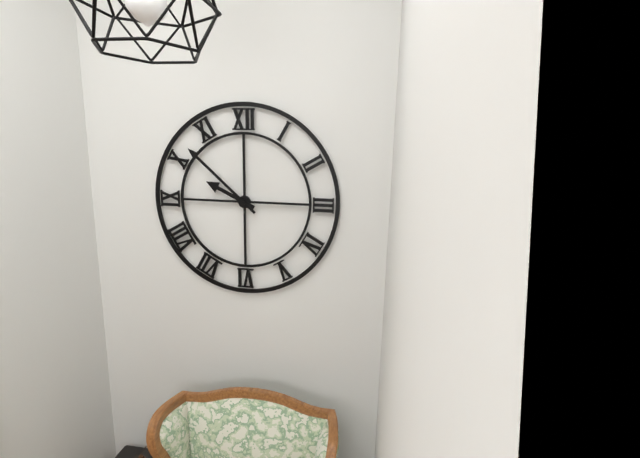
9h52
